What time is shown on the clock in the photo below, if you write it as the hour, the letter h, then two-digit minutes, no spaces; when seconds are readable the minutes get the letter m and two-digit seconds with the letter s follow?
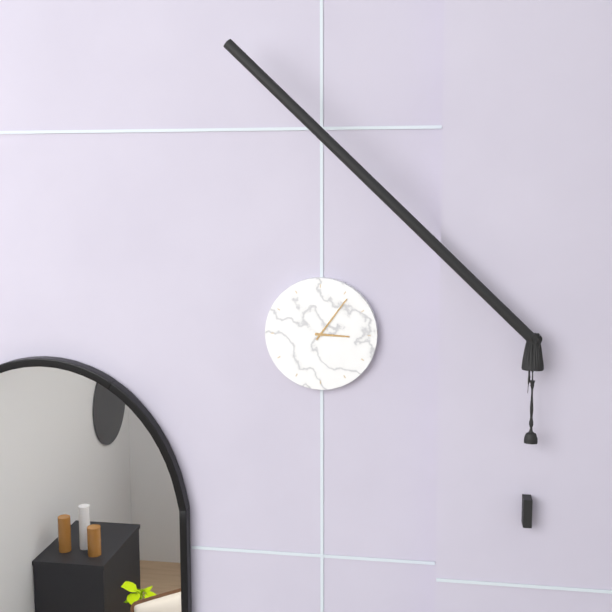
3h06
